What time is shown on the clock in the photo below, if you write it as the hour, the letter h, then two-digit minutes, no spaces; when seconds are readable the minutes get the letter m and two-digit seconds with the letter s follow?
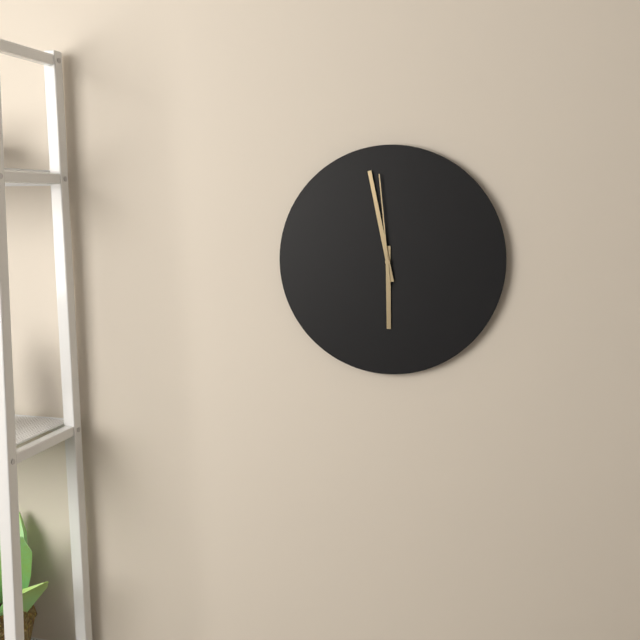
5h58m59s
